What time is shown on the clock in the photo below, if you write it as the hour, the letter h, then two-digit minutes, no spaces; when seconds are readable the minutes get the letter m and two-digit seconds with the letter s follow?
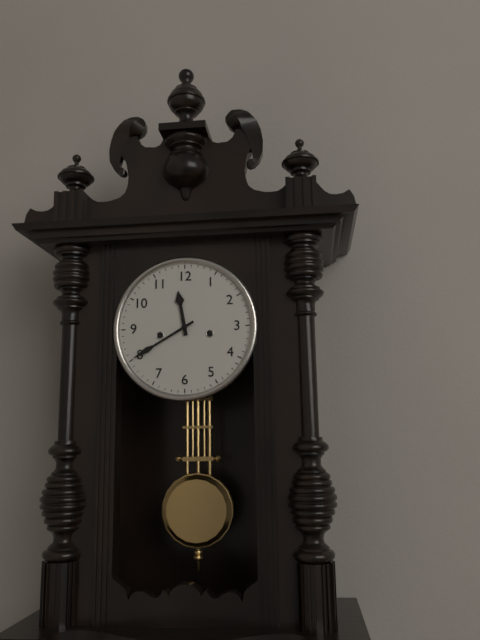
11h40
